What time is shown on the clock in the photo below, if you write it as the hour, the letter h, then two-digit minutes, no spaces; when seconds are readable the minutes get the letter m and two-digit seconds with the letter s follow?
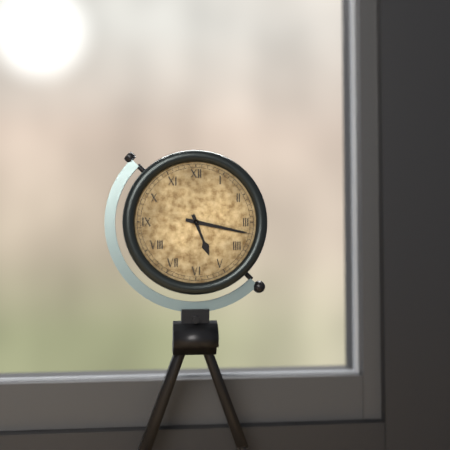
5h17
